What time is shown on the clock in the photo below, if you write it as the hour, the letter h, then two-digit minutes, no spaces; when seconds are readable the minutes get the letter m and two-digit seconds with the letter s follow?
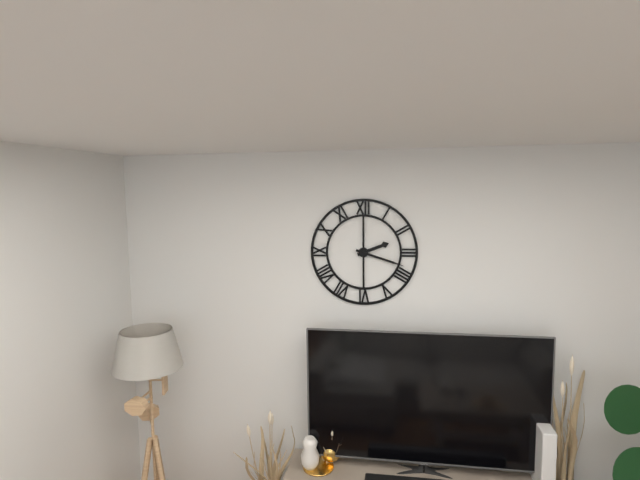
2h18
